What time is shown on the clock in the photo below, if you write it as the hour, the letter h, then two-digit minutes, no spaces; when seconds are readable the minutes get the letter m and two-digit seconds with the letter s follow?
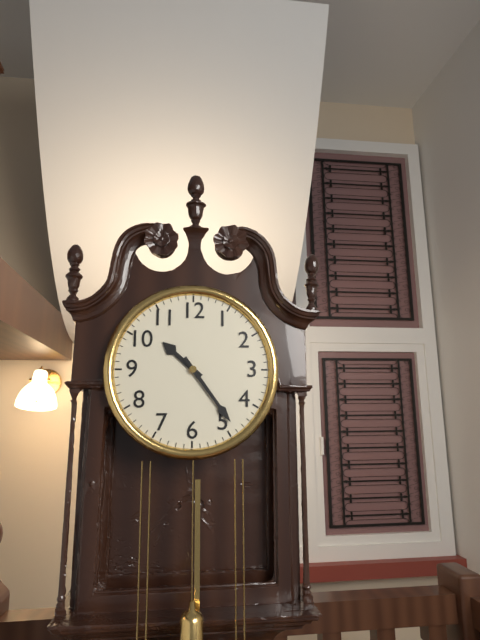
10h24
